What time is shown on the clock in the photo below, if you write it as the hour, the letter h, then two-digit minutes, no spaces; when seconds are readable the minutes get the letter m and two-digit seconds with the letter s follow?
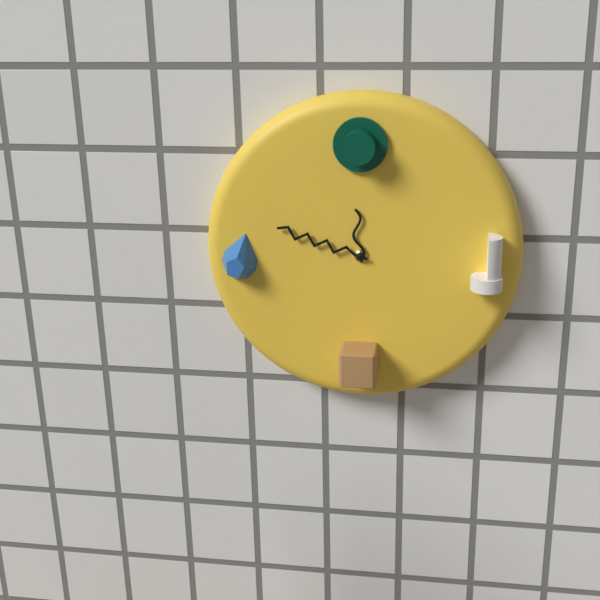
11h48
